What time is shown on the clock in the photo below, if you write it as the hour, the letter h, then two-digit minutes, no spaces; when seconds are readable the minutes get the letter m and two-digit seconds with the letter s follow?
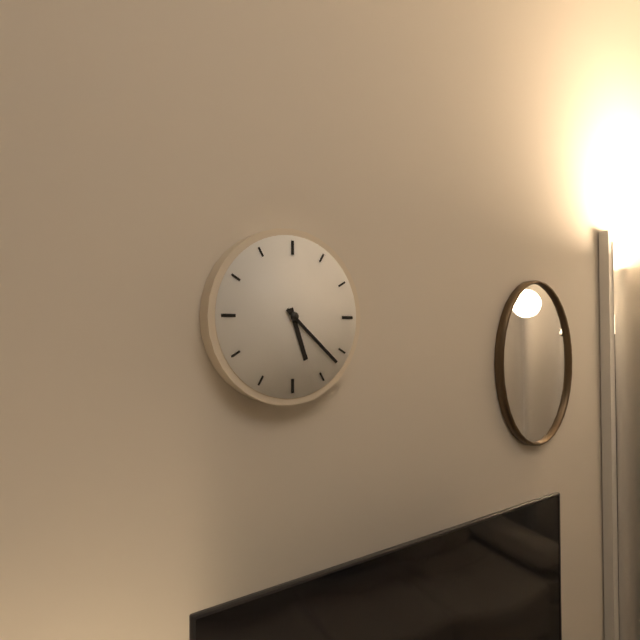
5h22
